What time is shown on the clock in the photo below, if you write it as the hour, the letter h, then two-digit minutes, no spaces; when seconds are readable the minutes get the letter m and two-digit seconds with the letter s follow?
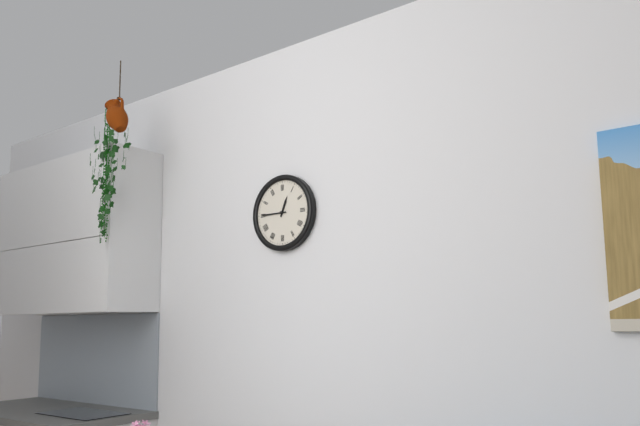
12h45
